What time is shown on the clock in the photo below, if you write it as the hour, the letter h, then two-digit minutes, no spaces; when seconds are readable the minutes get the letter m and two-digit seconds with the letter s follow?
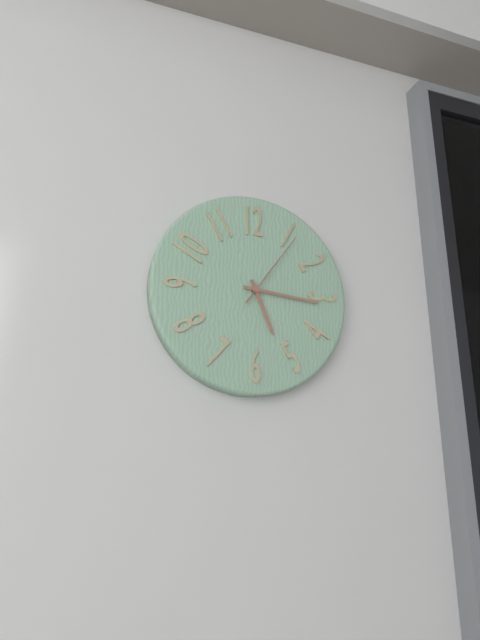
5h16m06s
